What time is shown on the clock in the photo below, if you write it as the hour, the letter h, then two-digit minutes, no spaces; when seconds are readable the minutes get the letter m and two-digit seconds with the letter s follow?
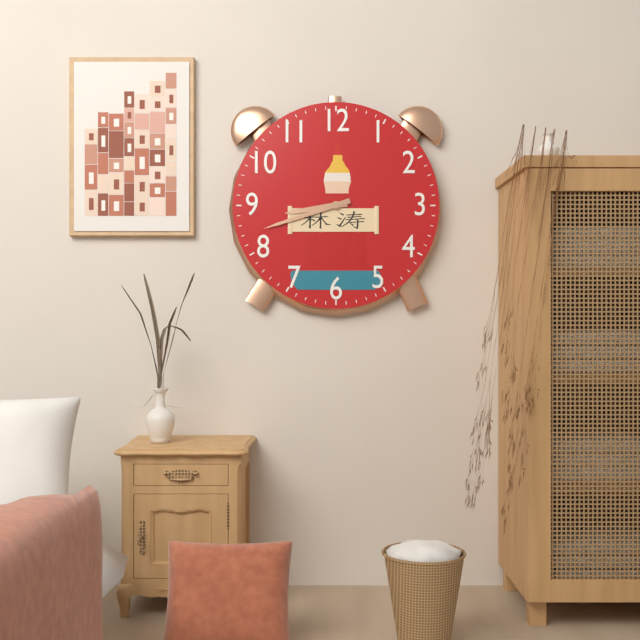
8h42
